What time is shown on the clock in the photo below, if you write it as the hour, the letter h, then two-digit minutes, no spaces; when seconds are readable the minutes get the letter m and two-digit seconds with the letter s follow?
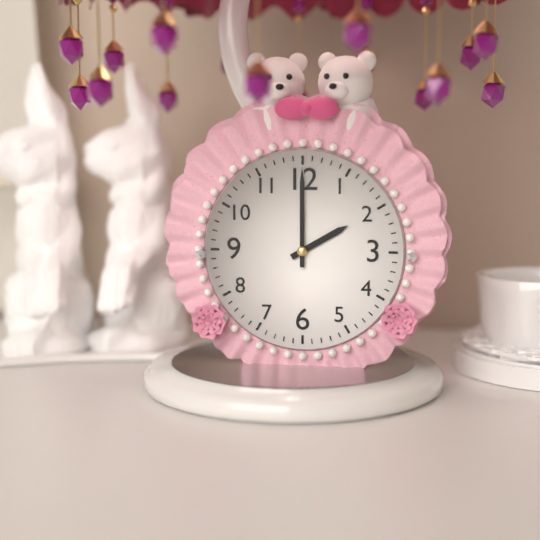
2h00
